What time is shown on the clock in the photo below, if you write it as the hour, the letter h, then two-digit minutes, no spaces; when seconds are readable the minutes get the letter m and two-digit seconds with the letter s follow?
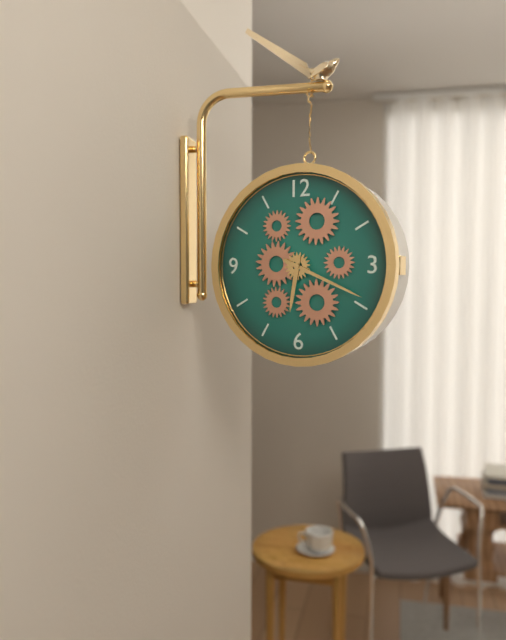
6h19
